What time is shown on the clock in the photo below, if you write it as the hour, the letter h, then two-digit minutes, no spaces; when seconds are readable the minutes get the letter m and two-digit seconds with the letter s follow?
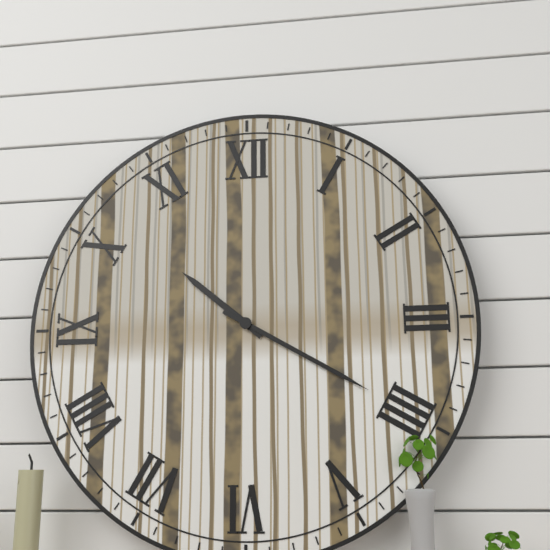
10h20
